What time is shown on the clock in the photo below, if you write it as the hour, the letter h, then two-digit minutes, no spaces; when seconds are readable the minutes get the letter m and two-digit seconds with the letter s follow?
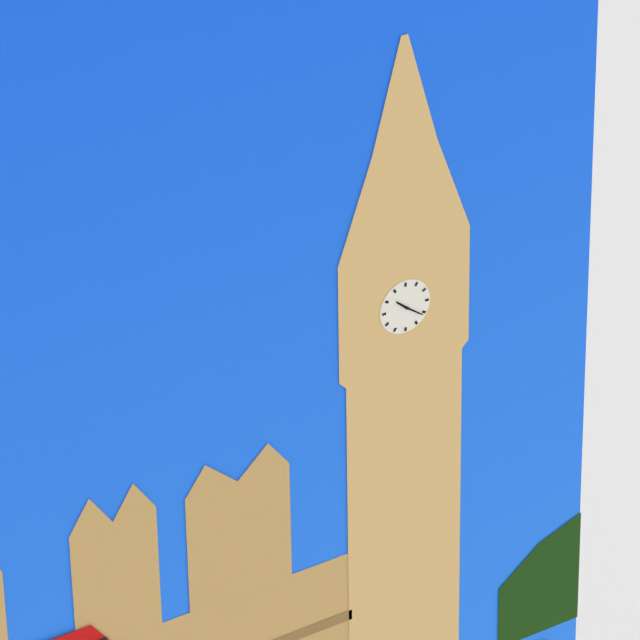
10h21
